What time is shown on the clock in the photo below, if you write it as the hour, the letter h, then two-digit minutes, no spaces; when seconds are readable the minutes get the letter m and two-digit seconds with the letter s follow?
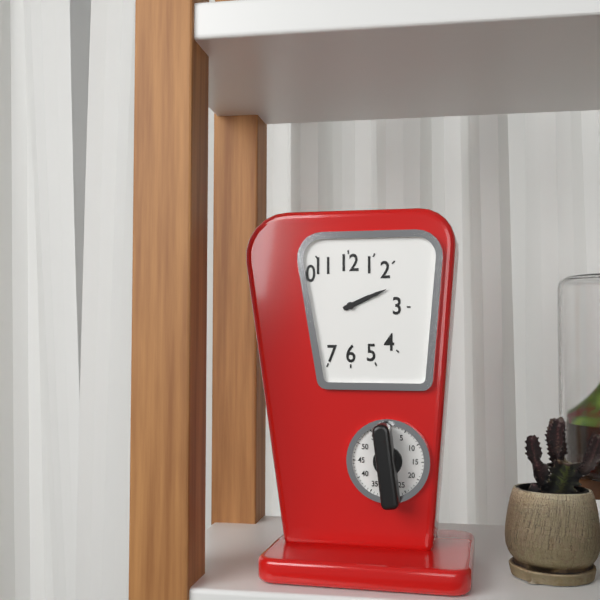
2h11
